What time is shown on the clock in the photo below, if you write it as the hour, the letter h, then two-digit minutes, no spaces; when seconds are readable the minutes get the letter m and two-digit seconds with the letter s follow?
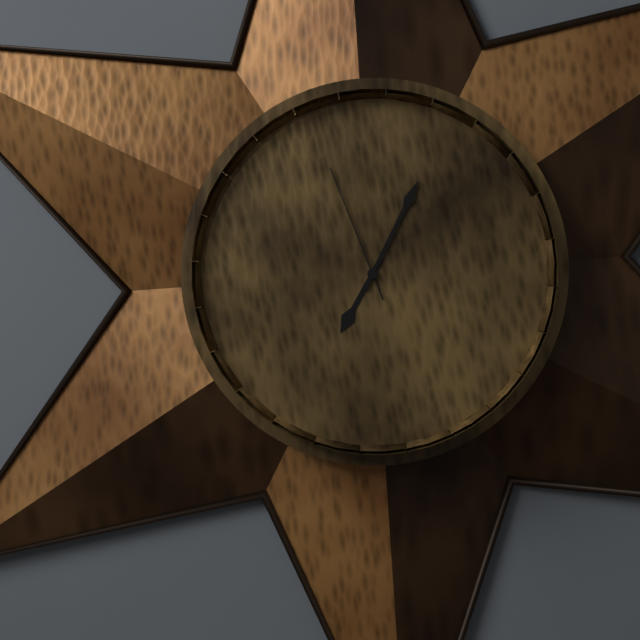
7h05m57s
